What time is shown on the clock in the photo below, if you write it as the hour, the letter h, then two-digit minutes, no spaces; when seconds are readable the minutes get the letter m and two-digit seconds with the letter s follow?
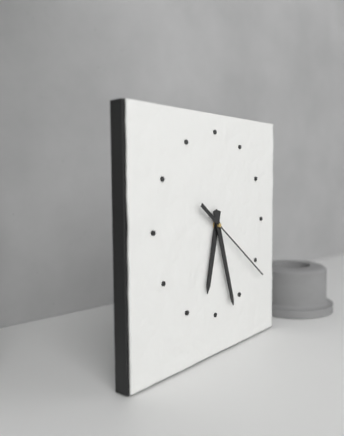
6h27m21s
